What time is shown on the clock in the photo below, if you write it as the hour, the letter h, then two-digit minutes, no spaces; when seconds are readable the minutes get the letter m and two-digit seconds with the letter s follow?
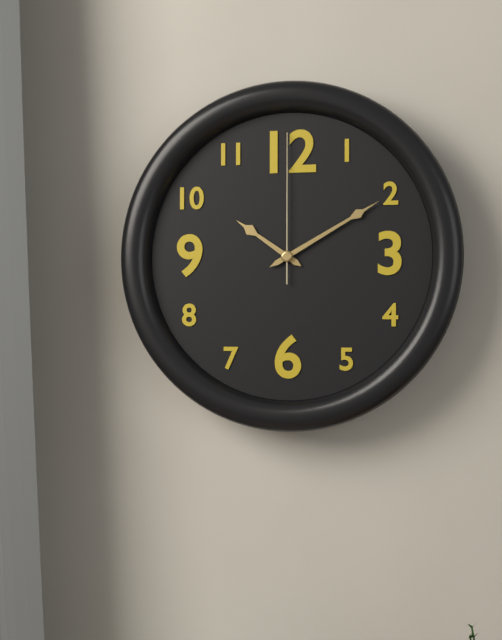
10h10m00s
